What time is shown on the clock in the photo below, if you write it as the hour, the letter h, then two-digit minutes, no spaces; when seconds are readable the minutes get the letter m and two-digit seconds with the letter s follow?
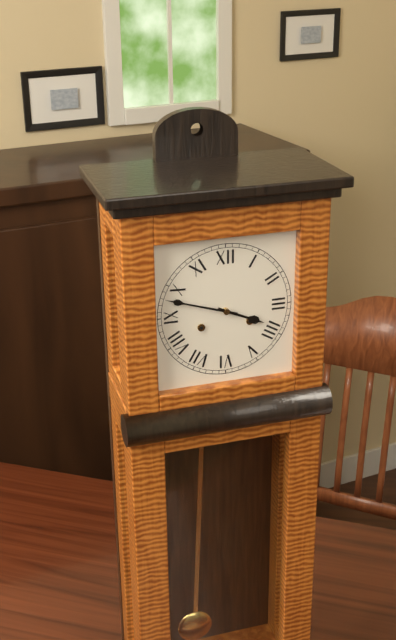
3h48
